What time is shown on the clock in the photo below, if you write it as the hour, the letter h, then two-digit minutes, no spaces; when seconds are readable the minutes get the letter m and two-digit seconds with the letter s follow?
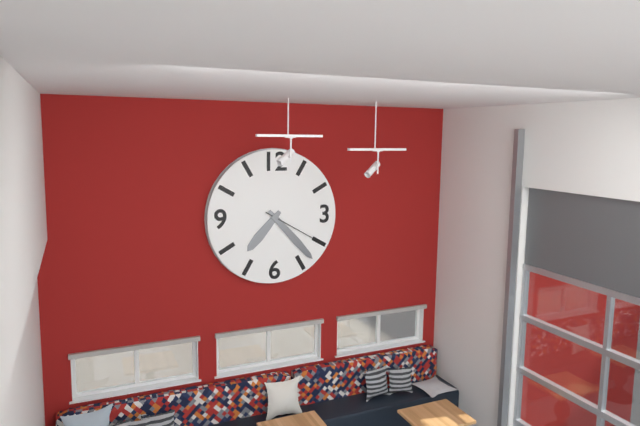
7h23m20s
